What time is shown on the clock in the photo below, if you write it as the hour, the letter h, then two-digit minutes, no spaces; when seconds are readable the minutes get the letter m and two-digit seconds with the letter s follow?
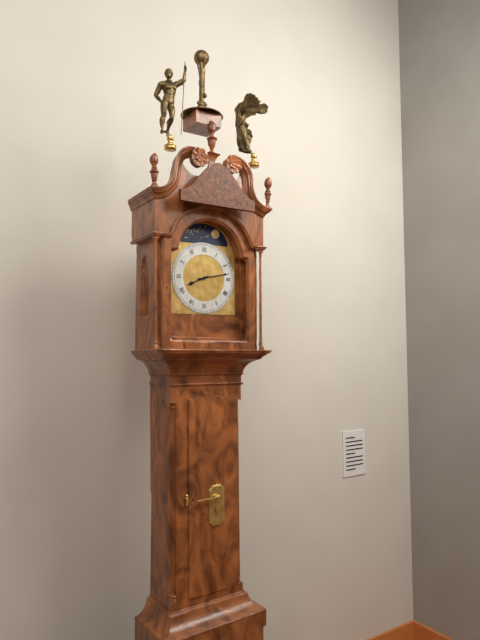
8h13
